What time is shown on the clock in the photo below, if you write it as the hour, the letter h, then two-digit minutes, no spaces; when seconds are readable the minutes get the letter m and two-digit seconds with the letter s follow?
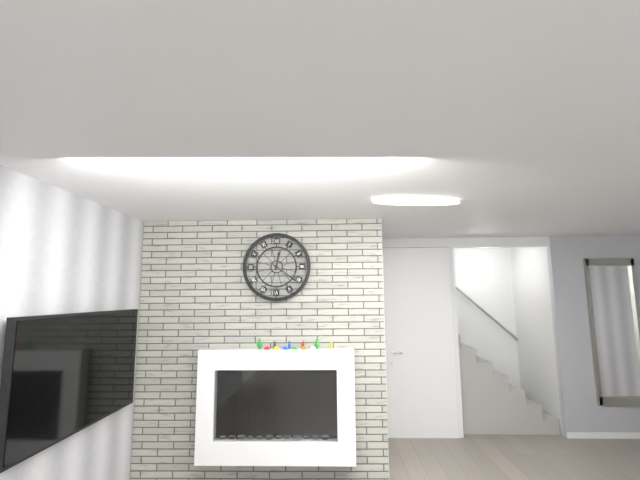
12h21
